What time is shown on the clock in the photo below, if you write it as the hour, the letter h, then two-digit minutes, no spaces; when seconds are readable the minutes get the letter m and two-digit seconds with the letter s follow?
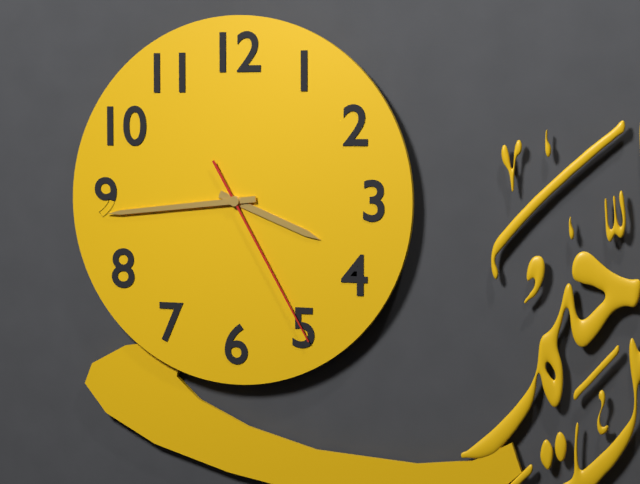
3h44m25s
